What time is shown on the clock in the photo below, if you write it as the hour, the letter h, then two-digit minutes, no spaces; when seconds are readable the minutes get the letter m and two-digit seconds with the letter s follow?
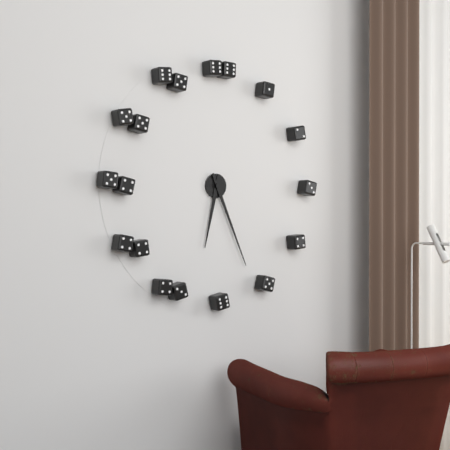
6h26
